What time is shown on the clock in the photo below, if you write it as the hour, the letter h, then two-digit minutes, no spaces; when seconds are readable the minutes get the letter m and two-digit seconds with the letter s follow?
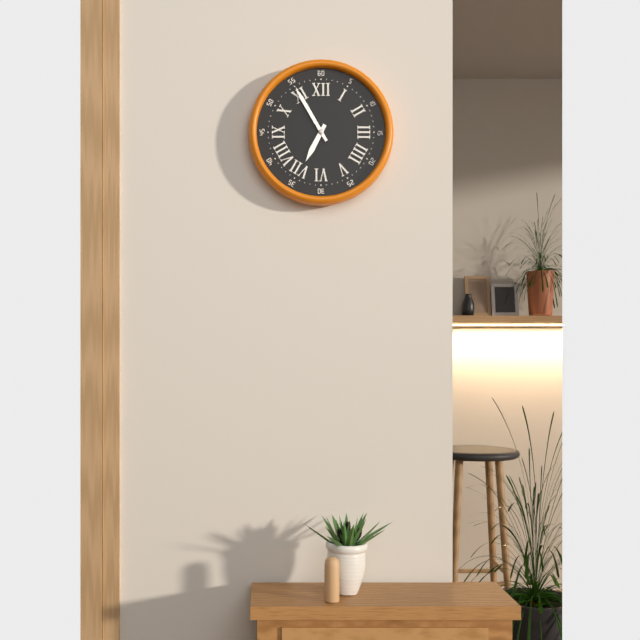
6h55
